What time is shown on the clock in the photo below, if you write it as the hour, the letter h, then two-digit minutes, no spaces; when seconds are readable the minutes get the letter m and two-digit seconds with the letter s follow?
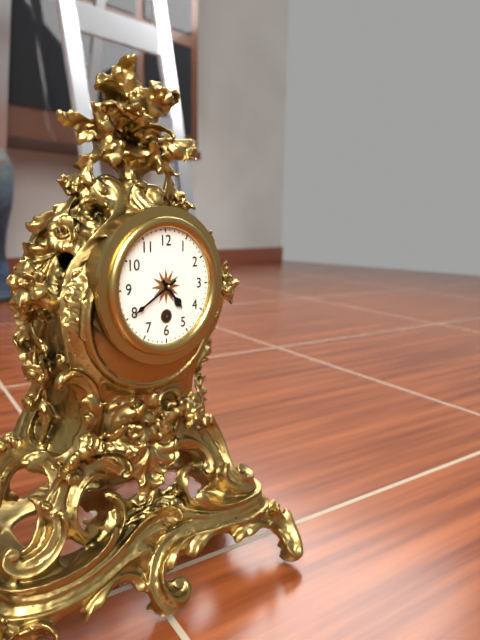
4h40
